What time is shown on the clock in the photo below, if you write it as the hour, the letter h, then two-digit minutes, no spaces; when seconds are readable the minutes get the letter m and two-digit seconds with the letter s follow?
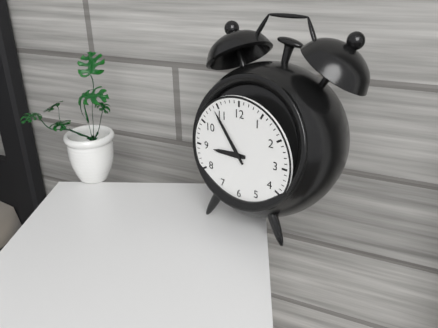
8h54
